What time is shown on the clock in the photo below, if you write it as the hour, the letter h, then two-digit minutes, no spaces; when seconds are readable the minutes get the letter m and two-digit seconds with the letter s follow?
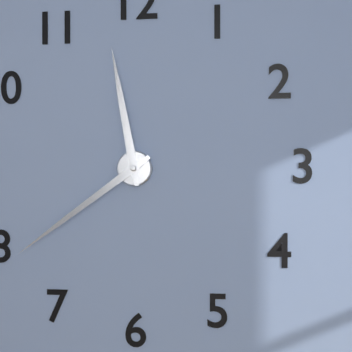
11h39
